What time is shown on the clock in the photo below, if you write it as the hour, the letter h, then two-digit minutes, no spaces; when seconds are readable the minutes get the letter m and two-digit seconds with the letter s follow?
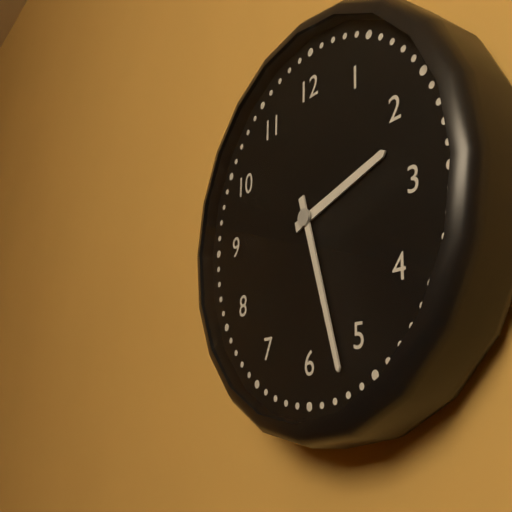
2h27
